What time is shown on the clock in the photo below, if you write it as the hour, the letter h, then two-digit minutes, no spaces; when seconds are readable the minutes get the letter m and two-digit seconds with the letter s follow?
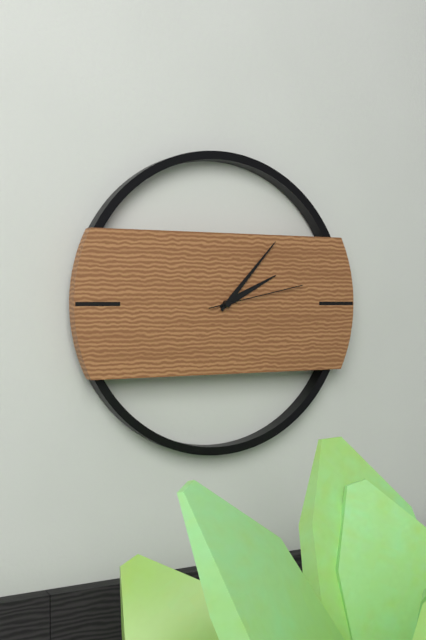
2h07m13s
